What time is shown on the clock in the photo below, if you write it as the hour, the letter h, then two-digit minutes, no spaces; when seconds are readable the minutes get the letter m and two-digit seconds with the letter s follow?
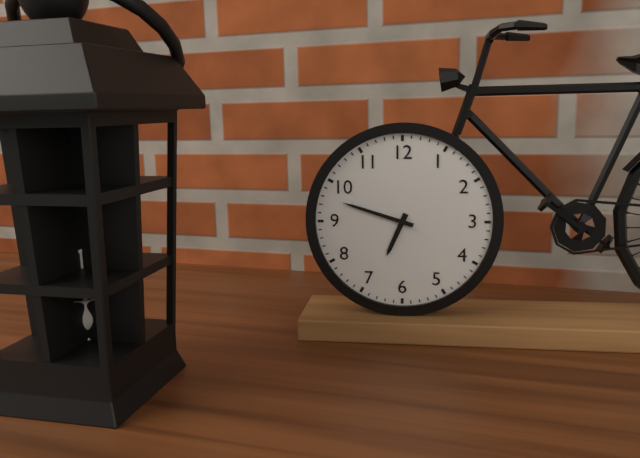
6h48
